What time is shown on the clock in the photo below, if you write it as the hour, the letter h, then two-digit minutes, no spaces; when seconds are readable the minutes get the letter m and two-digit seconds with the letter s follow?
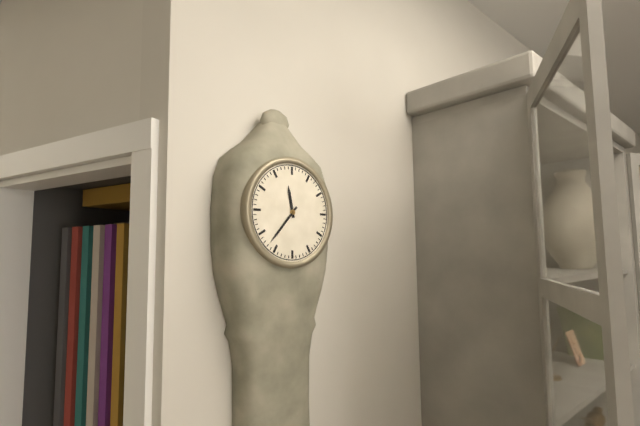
11h37
